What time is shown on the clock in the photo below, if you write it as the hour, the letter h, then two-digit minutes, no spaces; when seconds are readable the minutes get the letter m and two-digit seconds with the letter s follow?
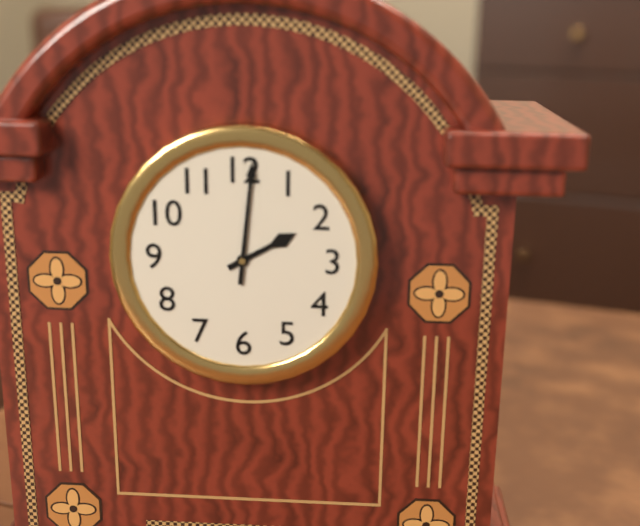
2h01
